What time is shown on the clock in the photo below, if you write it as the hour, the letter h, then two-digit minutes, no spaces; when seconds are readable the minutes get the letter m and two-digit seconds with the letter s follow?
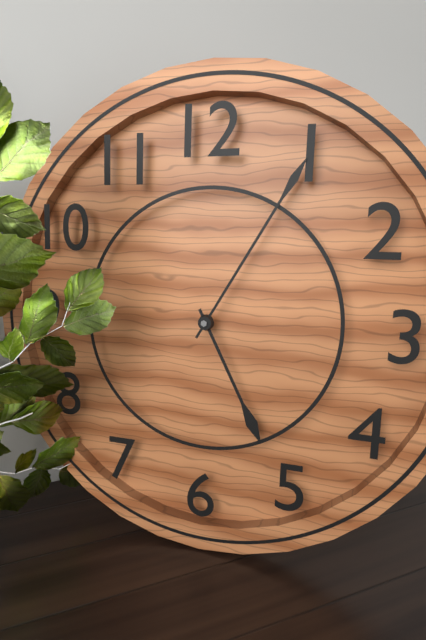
5h05
